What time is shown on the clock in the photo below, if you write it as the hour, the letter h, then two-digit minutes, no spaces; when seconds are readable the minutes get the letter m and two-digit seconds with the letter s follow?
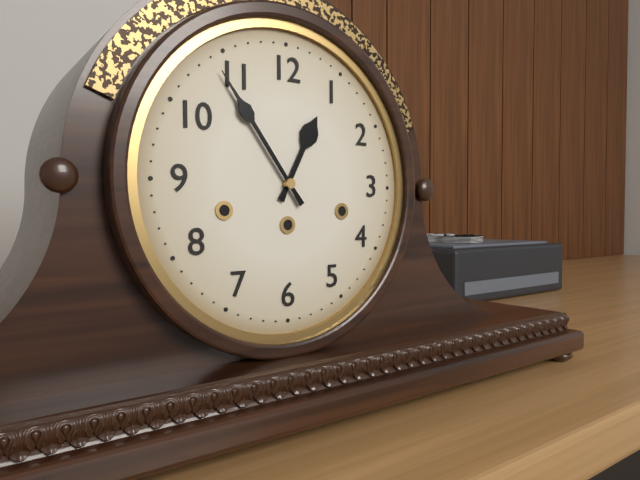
12h54
